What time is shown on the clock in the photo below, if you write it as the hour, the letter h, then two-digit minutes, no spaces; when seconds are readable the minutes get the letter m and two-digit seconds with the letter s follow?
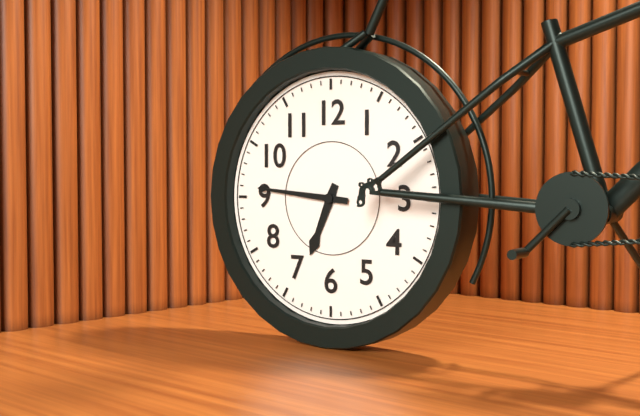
6h46
